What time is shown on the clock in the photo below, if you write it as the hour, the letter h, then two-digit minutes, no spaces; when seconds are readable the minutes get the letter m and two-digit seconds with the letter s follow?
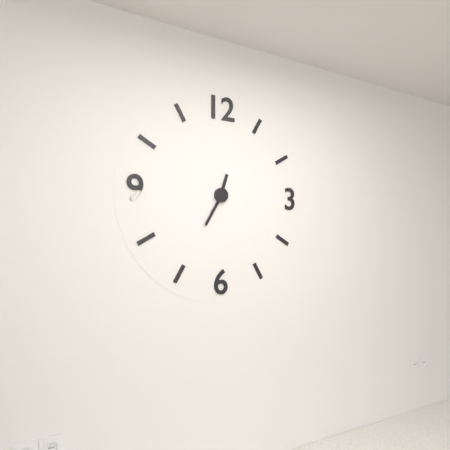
12h35
